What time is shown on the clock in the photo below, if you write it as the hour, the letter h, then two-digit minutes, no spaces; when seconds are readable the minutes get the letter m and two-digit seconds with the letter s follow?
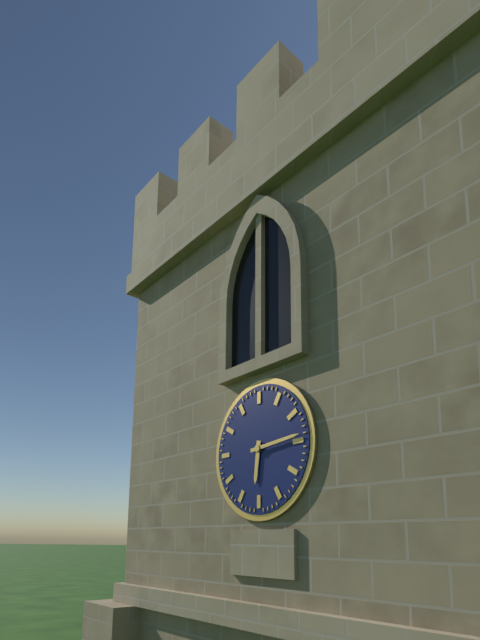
6h14
